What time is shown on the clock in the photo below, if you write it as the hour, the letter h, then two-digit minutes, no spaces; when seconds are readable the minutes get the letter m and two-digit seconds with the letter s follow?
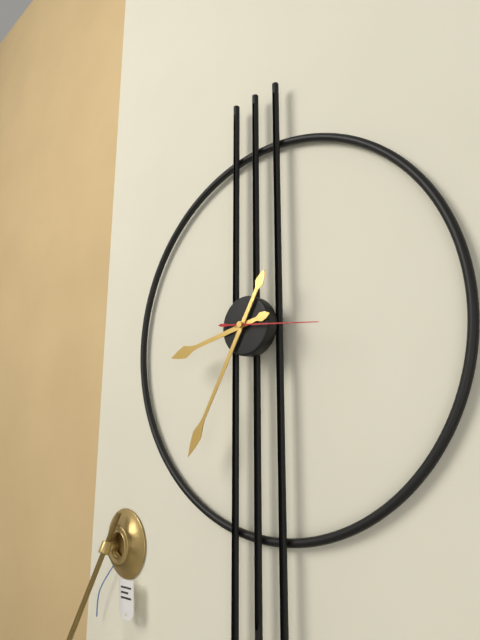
8h35m16s
